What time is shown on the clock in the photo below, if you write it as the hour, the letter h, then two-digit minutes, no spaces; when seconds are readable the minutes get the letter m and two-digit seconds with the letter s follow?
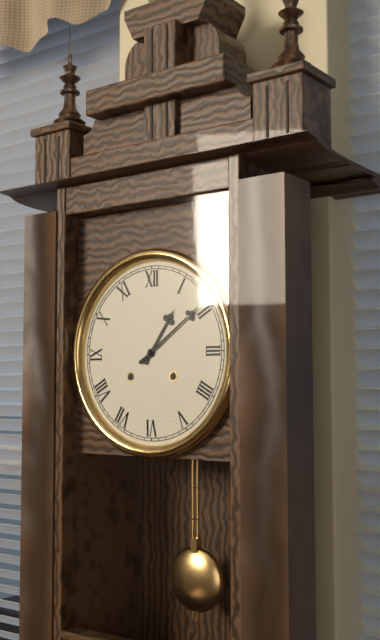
1h09
